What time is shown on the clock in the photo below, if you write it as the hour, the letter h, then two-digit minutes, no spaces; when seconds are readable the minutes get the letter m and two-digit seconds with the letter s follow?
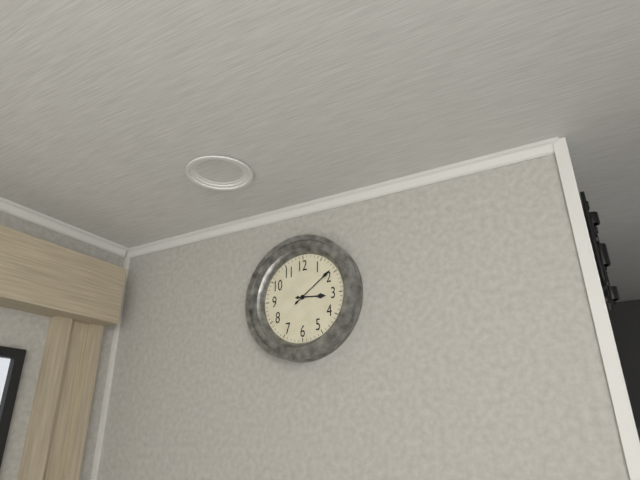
3h09
